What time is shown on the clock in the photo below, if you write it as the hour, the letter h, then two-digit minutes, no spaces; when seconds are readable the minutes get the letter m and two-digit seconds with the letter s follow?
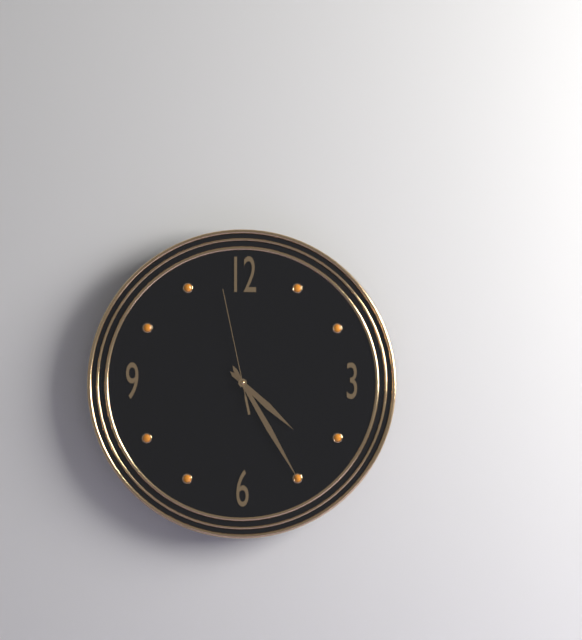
4h25m58s
